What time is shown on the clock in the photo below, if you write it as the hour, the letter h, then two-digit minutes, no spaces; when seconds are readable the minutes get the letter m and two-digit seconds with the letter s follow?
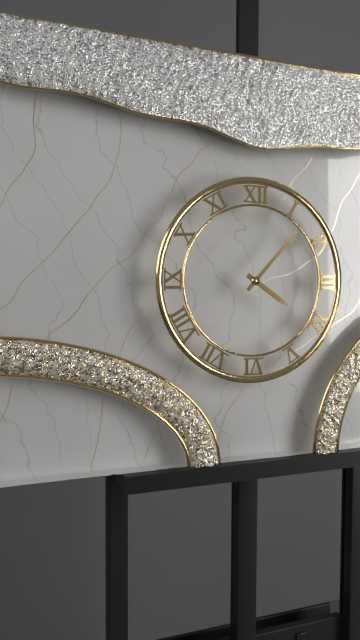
4h07
